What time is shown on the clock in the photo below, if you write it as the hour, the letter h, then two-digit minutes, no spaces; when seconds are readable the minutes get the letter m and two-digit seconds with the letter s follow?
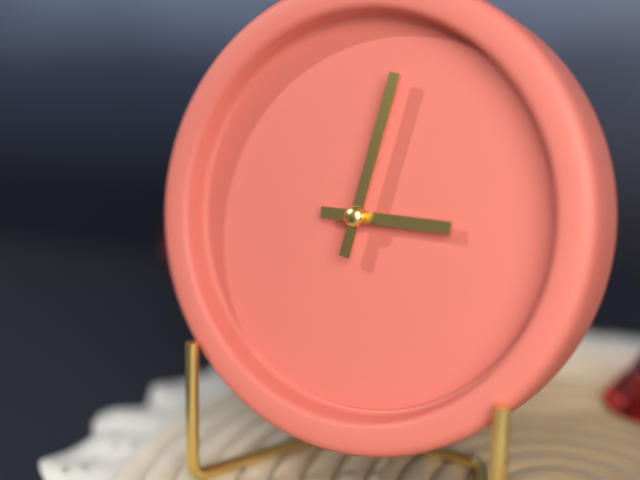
3h02
